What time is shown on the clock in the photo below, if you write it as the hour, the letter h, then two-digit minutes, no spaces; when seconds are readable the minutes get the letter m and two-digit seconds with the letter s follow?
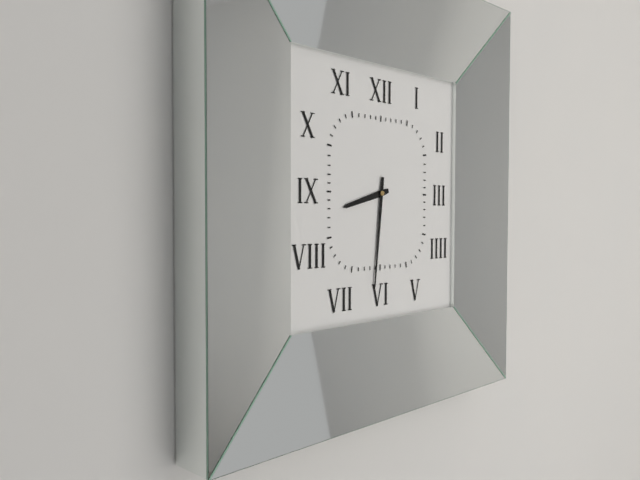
8h31
